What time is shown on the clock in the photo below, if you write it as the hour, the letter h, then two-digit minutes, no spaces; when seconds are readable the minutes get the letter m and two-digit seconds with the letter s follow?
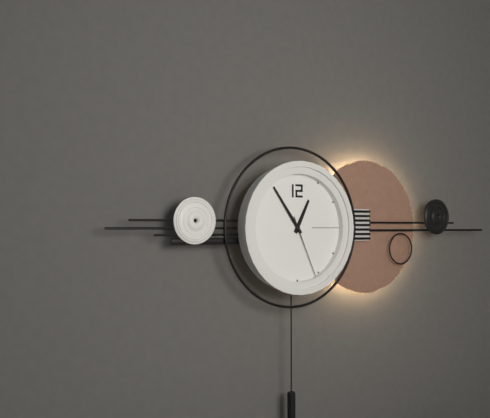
12h54m26s
